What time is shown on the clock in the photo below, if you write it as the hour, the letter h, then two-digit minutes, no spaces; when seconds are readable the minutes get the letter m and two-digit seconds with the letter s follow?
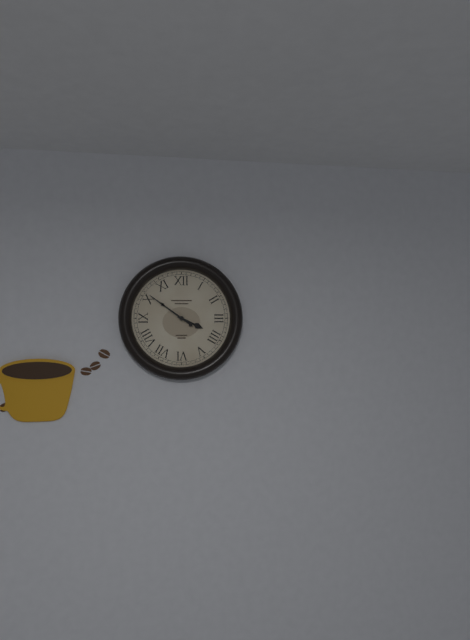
3h51
